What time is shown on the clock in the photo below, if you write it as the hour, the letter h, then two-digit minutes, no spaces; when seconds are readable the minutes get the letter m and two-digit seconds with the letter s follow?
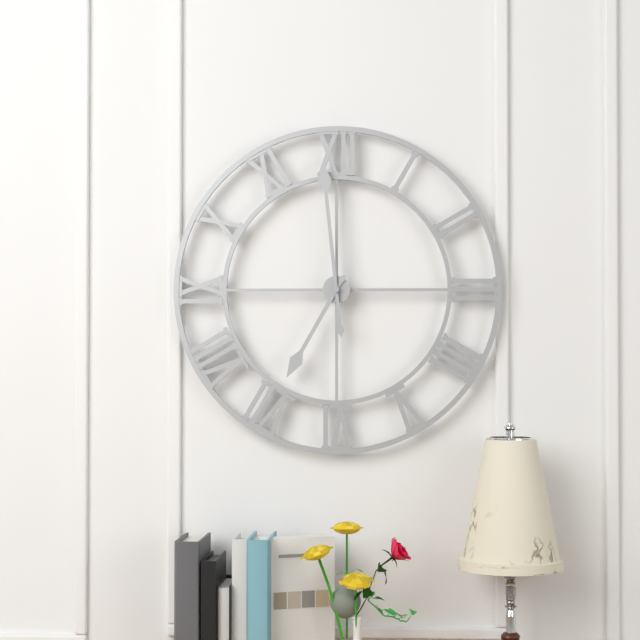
6h59
